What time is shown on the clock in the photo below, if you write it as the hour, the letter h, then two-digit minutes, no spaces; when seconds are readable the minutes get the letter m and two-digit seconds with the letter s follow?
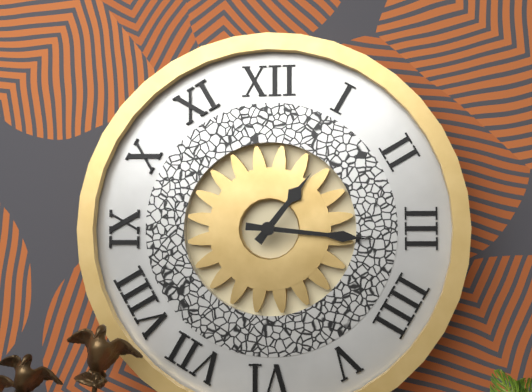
1h16
